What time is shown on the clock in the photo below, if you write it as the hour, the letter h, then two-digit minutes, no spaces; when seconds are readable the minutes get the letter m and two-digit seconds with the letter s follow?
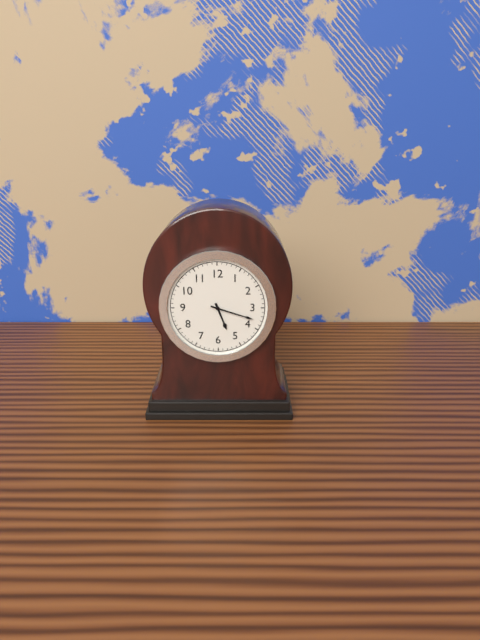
5h18
